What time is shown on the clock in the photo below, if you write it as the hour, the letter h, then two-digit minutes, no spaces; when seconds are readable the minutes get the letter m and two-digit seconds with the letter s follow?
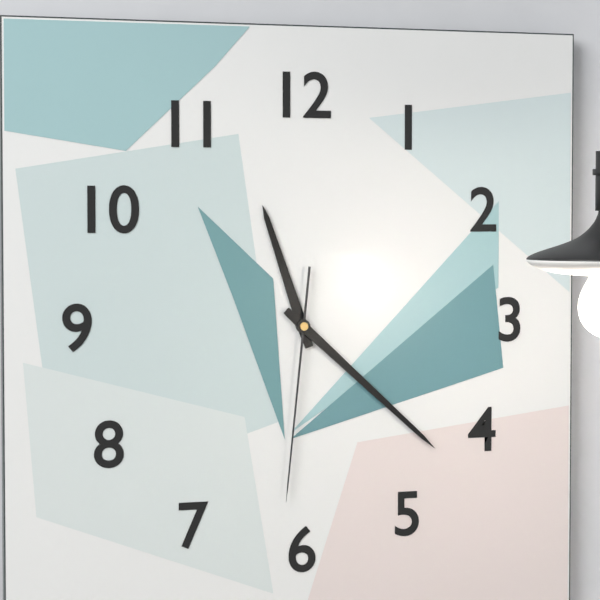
11h22m31s
